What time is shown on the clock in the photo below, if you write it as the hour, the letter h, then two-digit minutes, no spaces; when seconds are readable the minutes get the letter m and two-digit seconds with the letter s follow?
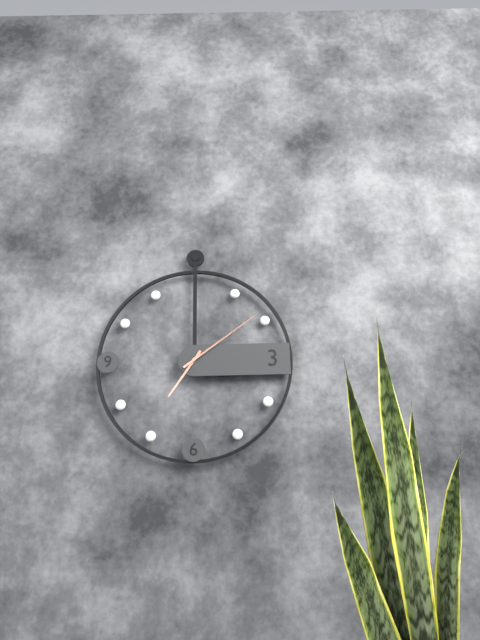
7h09
